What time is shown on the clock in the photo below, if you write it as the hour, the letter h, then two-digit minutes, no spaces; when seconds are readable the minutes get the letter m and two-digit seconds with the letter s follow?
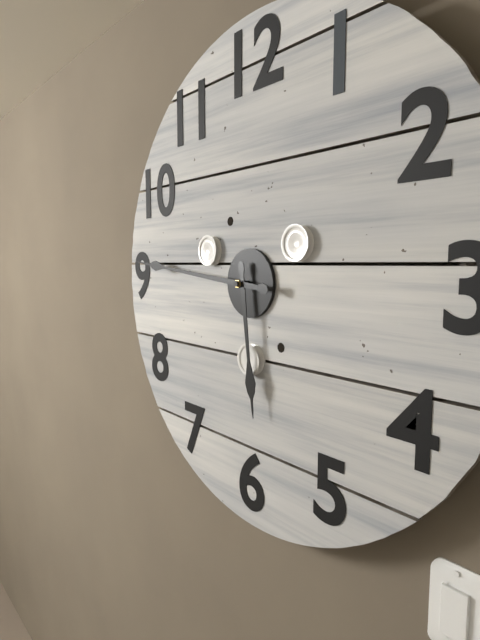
5h46
